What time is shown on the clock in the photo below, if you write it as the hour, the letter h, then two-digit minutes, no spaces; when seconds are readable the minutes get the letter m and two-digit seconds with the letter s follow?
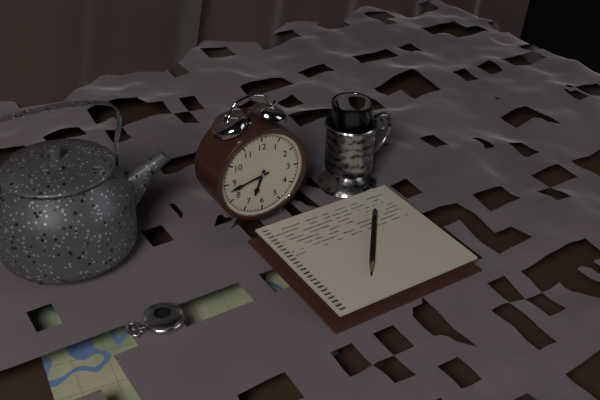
6h43
